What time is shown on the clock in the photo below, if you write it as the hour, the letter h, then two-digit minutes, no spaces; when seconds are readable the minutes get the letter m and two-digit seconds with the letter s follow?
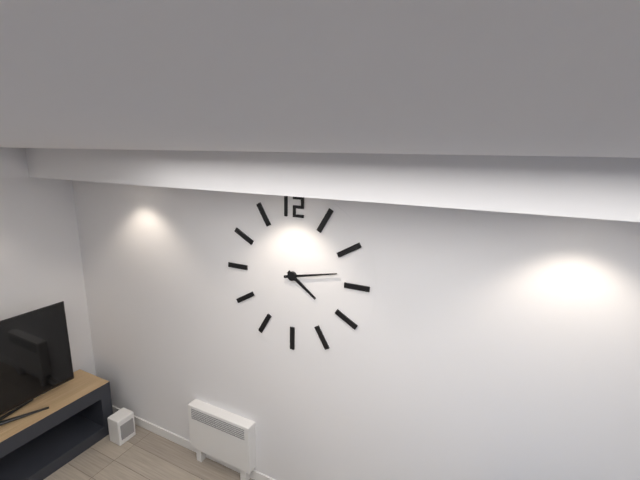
4h13
